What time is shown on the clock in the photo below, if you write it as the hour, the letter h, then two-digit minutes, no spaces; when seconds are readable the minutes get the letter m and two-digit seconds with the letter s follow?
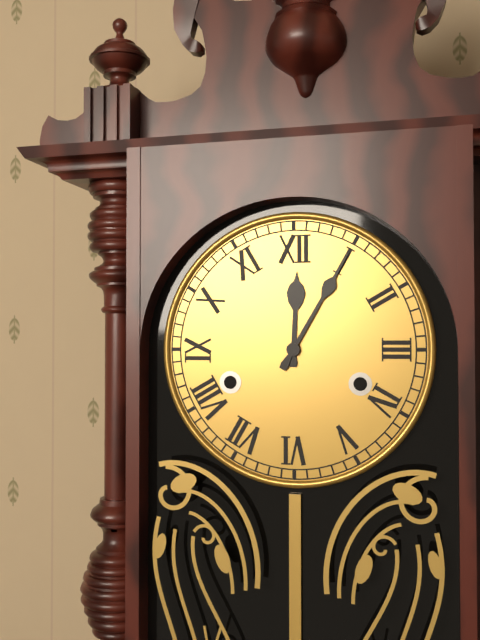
12h05
